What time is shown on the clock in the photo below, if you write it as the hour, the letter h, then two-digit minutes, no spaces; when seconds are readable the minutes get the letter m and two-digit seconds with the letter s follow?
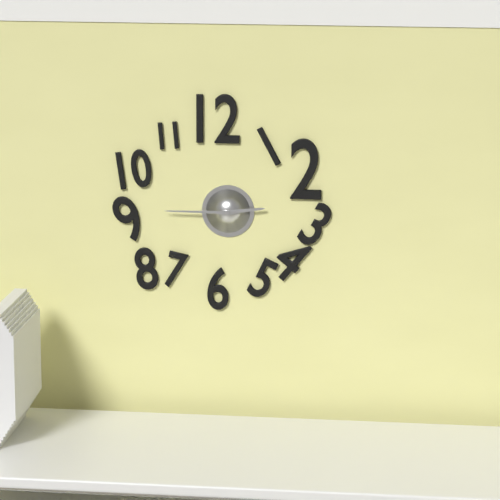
2h45
